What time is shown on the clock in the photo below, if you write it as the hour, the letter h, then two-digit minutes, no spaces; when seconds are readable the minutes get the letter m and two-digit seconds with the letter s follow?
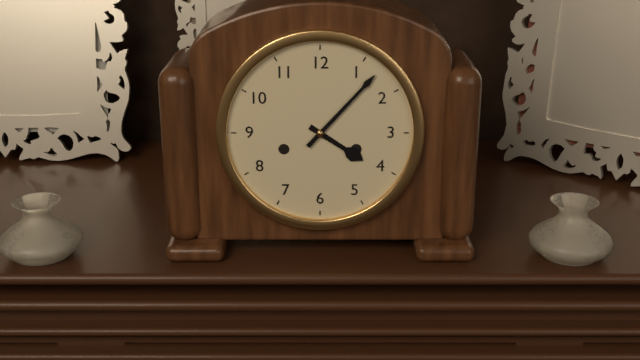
4h07
